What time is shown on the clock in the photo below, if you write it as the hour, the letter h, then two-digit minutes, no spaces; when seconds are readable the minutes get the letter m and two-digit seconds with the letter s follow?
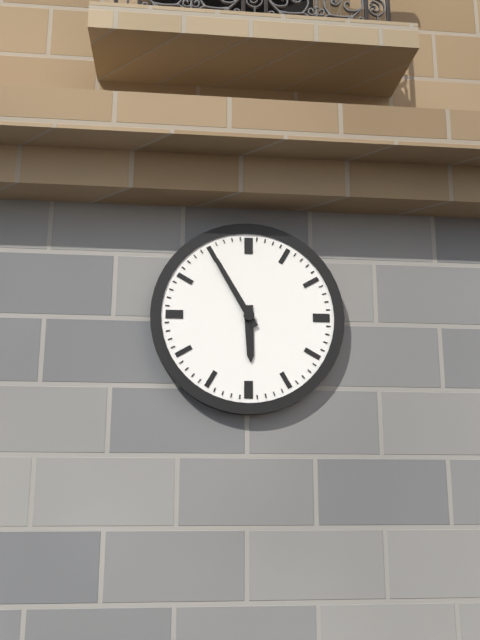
5h55
